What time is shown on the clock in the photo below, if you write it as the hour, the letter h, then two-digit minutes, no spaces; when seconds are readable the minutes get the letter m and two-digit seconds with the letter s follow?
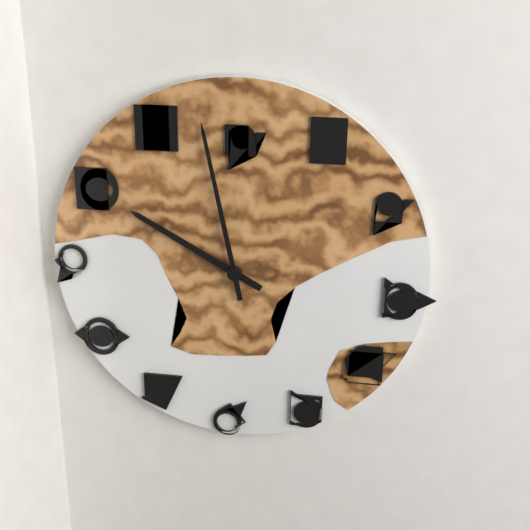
9h58
